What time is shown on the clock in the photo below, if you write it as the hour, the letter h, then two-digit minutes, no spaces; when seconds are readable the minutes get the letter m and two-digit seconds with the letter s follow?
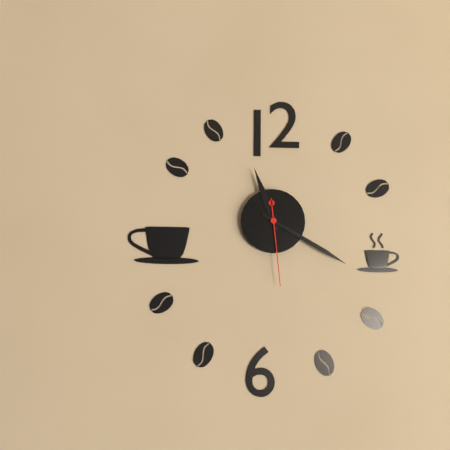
11h20m29s
